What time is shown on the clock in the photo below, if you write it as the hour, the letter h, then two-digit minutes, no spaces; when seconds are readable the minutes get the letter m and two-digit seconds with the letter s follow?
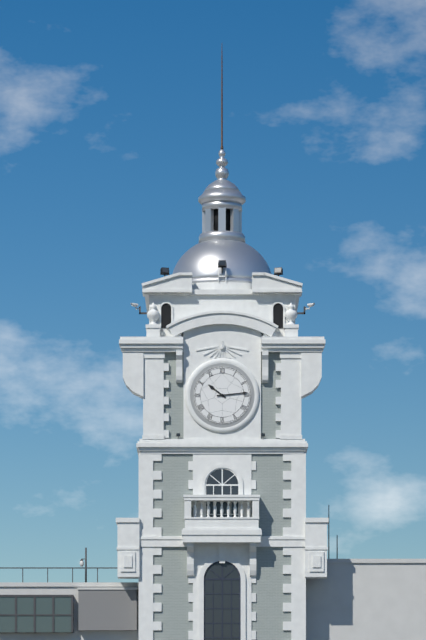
10h14
